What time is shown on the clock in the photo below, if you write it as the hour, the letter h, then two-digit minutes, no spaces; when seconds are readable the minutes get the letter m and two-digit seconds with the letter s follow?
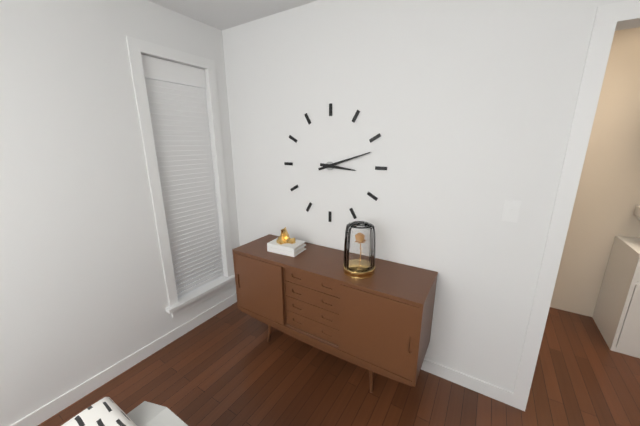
3h12
